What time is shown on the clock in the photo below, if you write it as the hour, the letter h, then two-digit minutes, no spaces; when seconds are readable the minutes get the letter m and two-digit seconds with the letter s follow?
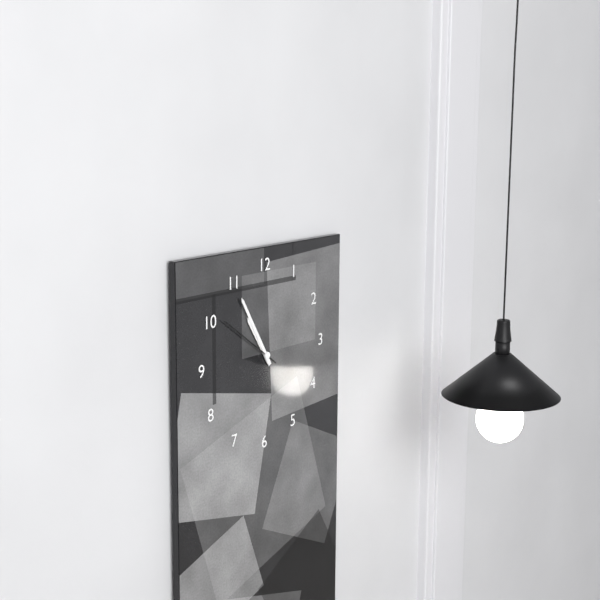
10h55m51s
